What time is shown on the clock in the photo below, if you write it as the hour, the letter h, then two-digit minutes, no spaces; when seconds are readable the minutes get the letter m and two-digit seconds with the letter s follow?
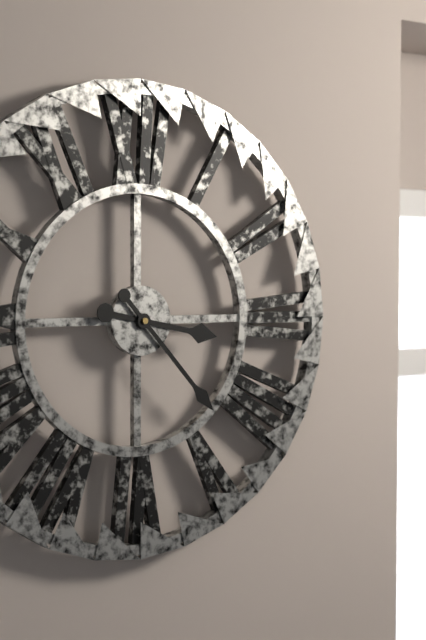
3h23
